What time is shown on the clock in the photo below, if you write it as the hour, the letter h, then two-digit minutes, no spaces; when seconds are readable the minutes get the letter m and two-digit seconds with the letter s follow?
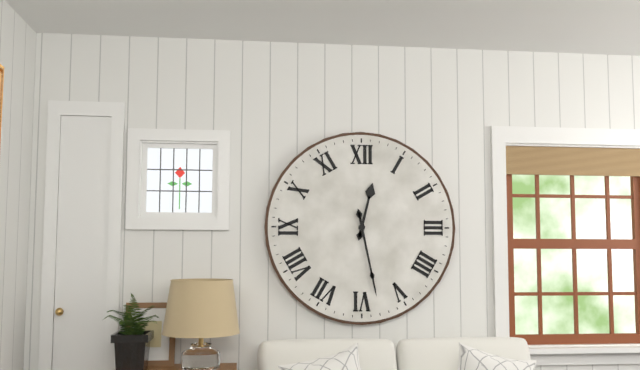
12h28
